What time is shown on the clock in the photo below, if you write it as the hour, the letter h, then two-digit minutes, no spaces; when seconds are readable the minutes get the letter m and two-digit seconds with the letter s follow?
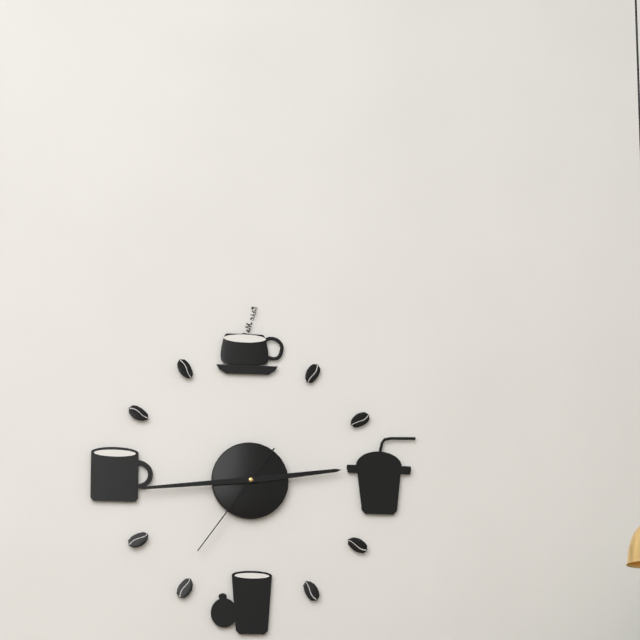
2h44m36s
